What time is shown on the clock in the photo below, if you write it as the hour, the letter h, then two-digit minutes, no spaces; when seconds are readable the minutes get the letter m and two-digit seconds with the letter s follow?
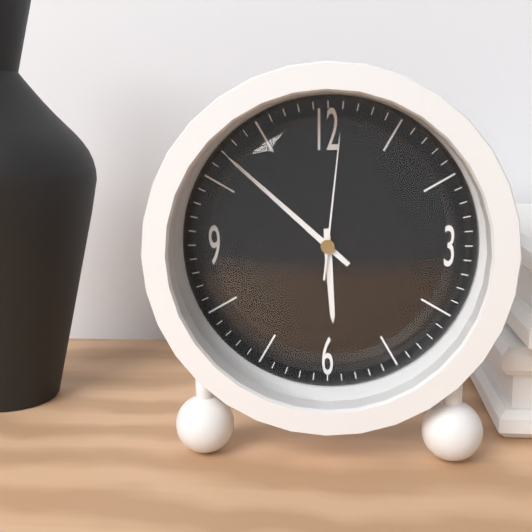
5h52m01s
